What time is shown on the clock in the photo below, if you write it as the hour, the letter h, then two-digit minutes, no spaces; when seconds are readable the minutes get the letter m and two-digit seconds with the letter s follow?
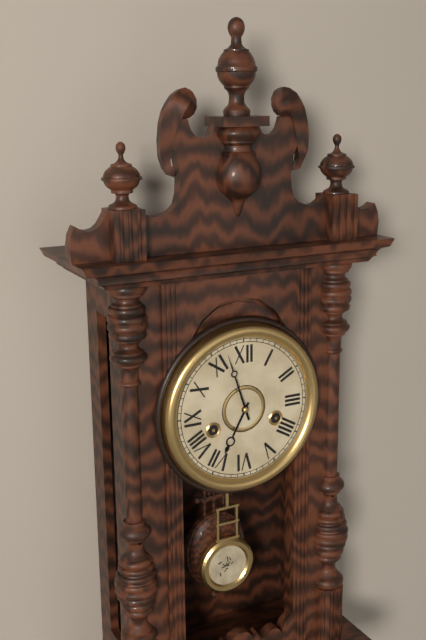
6h57
